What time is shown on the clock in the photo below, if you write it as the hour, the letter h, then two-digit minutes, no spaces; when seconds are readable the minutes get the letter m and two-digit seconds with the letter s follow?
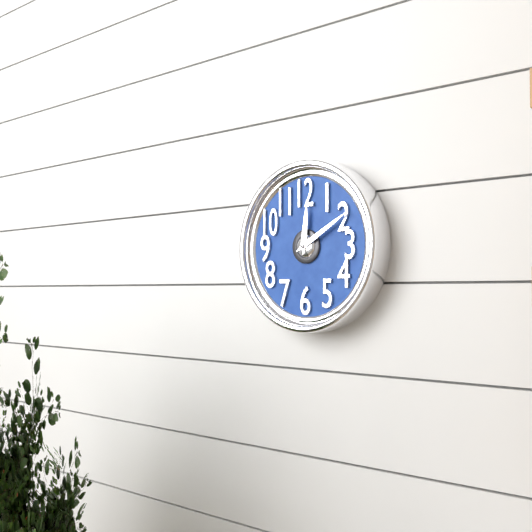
12h10
